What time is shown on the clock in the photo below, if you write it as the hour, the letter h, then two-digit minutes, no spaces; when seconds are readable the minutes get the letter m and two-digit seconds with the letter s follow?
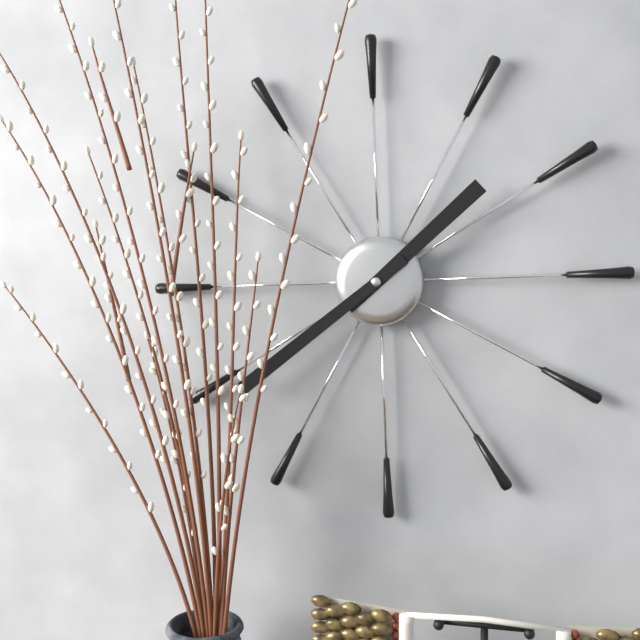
1h39
